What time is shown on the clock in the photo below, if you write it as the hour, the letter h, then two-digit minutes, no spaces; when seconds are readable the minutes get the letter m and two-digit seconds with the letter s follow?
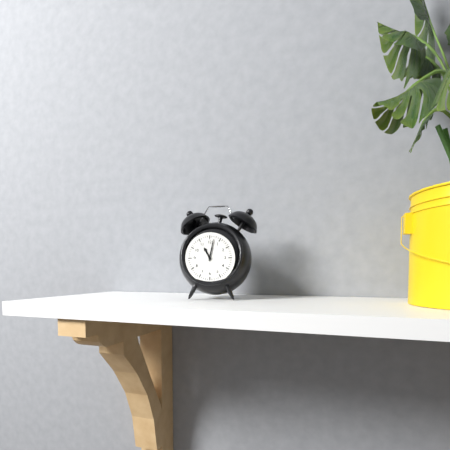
11h02
